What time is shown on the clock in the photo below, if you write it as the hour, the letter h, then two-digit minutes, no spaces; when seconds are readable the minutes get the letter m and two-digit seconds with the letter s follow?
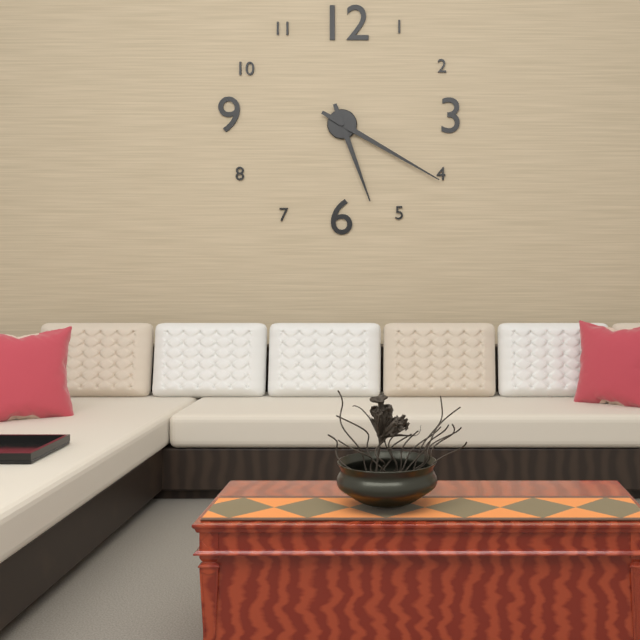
5h20
